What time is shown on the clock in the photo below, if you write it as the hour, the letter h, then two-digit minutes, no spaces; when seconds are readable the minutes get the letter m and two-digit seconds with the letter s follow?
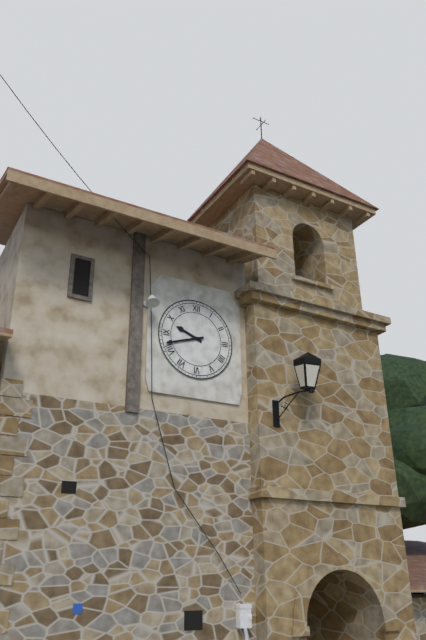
9h42
